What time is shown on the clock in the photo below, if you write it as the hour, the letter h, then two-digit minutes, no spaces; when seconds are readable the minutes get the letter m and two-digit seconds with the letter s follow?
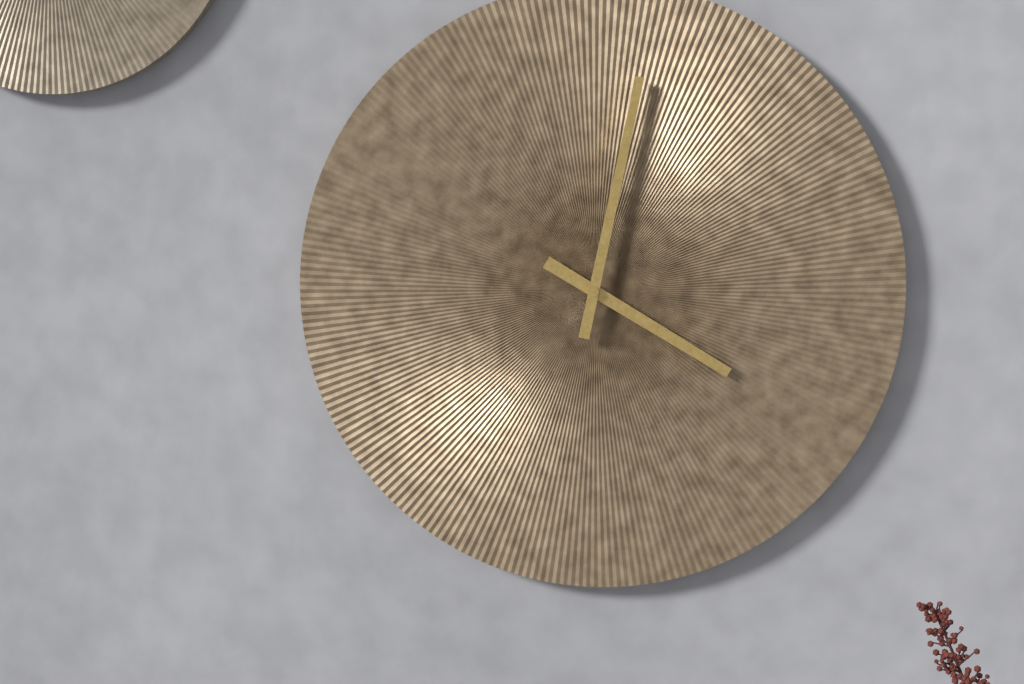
4h02
